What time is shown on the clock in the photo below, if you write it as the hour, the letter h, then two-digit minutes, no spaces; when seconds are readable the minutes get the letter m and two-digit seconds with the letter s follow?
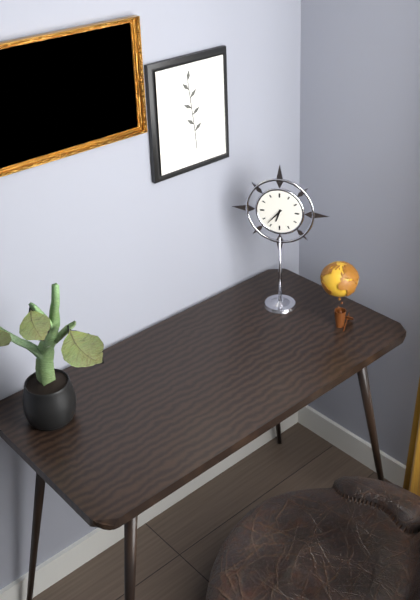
6h37
